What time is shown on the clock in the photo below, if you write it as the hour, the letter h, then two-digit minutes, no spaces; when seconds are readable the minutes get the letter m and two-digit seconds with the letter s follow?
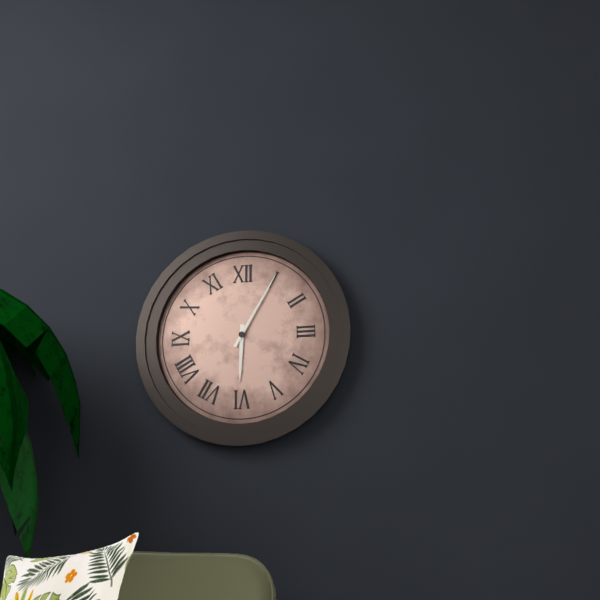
6h05
